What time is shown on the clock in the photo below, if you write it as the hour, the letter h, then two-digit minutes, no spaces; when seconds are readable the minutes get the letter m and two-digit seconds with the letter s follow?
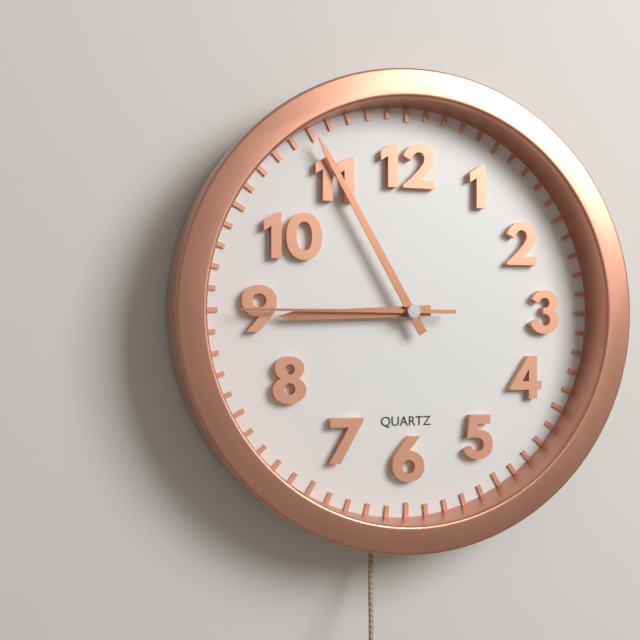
8h55m45s
